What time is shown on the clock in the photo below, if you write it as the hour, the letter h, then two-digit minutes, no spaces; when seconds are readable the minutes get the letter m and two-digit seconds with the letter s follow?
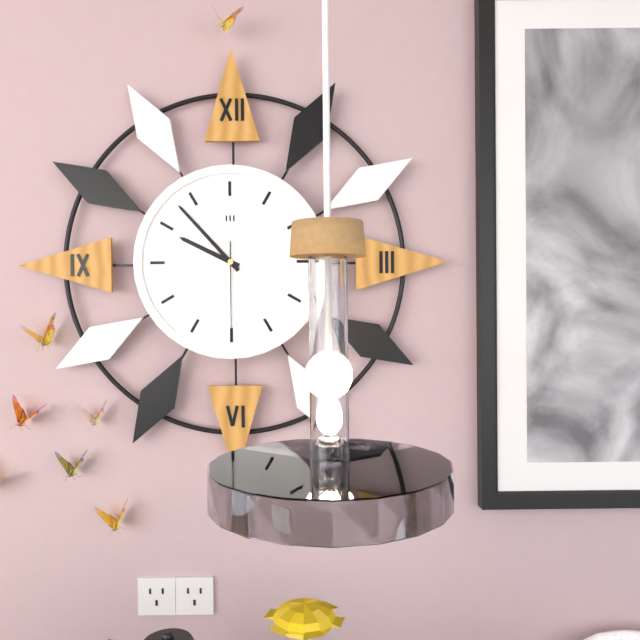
9h53m30s
